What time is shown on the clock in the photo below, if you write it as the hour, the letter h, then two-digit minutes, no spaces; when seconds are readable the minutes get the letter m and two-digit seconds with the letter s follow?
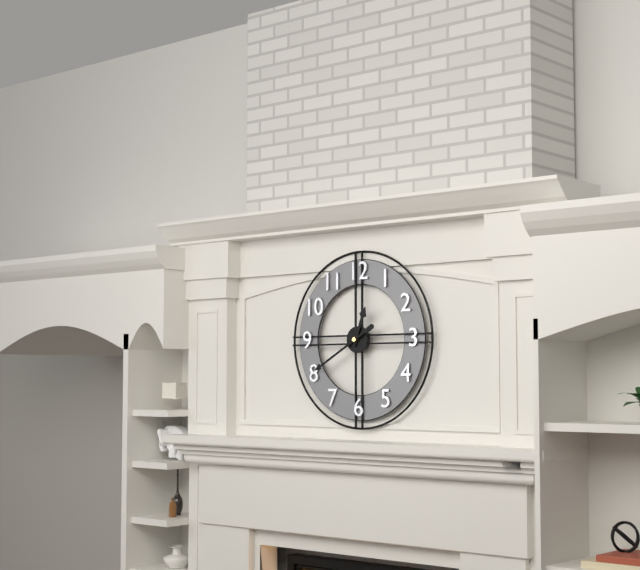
12h40
